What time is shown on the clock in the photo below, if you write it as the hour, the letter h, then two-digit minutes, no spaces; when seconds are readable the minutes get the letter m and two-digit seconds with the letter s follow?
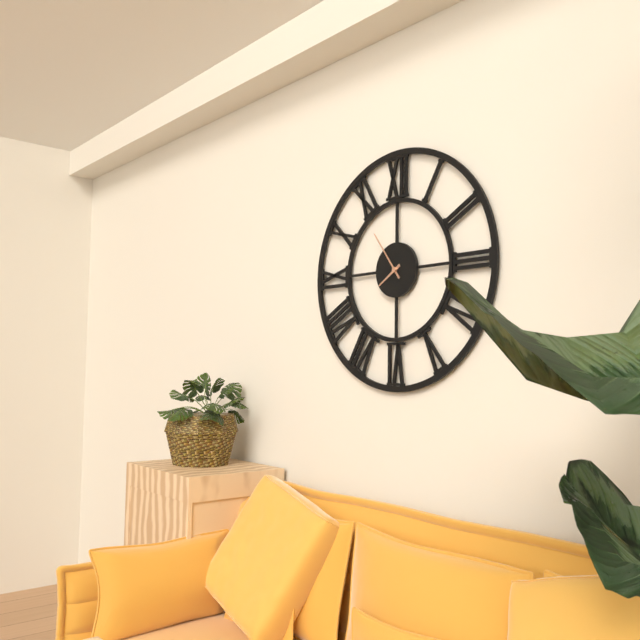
7h54
